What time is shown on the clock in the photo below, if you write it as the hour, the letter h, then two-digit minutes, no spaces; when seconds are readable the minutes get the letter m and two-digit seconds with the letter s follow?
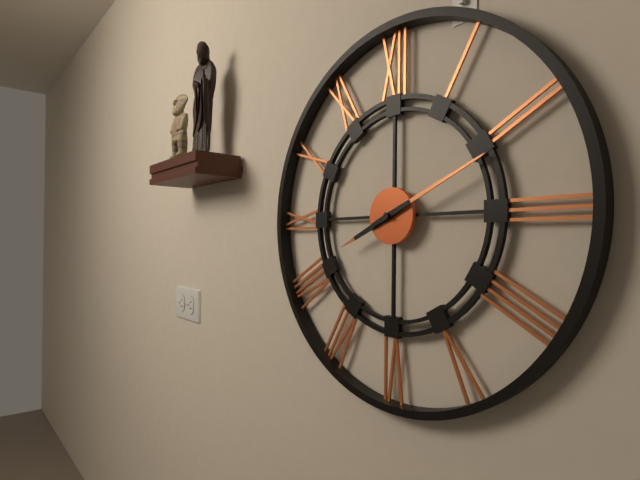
8h11
